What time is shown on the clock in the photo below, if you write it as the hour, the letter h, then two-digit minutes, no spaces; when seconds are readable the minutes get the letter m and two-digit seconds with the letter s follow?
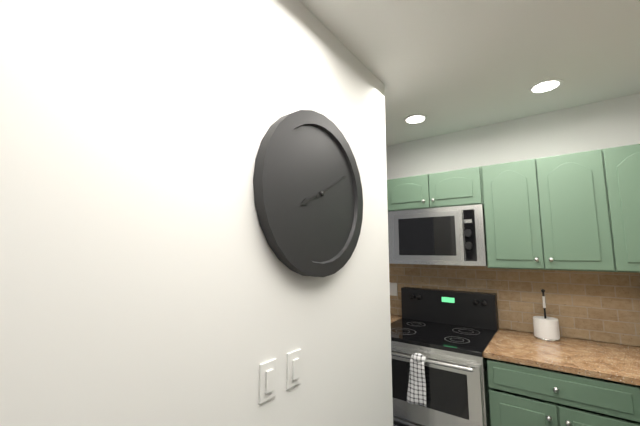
8h10
